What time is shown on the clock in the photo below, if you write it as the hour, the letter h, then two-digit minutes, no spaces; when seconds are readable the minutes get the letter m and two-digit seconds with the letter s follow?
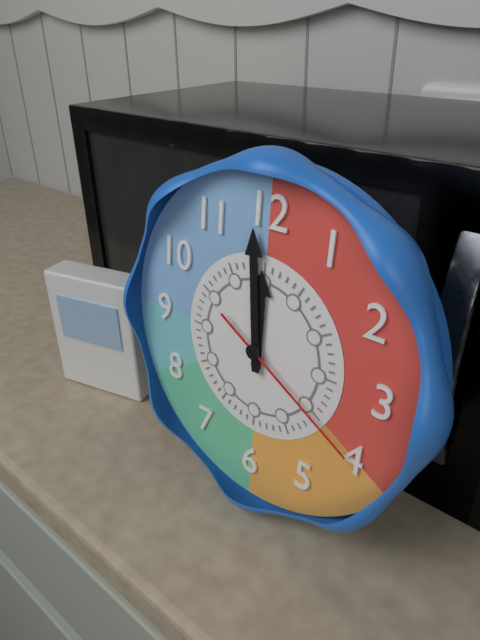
11h59m20s
